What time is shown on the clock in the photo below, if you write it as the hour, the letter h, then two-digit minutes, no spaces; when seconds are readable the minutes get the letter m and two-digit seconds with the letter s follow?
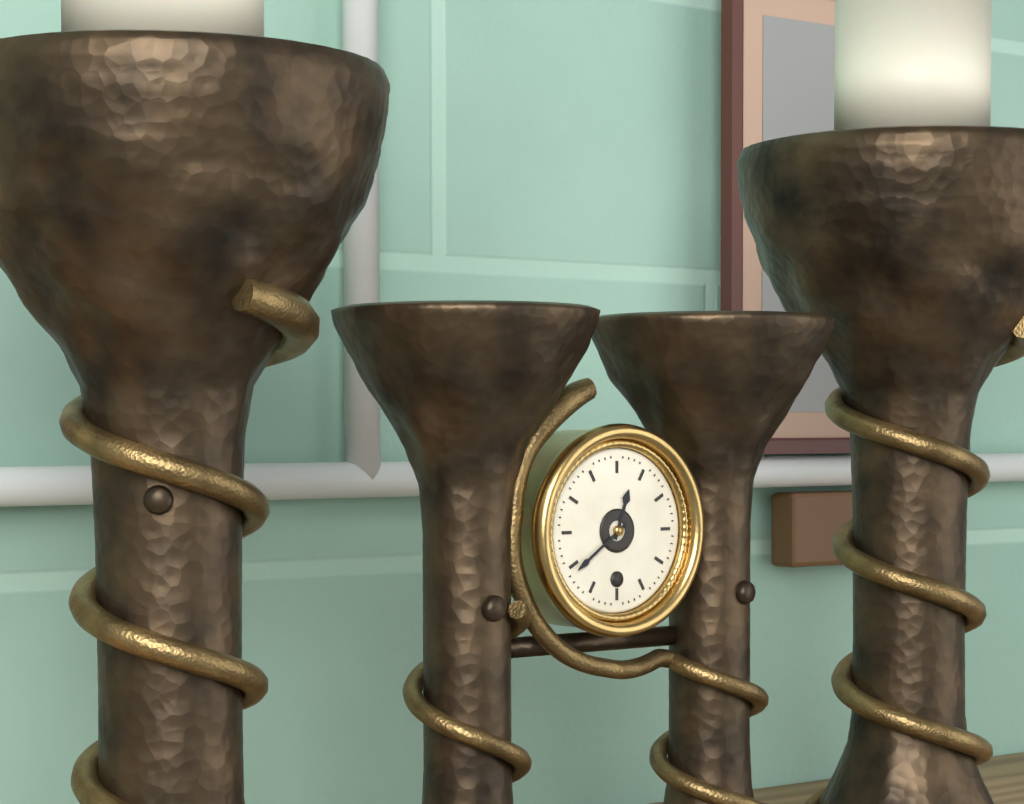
12h39
